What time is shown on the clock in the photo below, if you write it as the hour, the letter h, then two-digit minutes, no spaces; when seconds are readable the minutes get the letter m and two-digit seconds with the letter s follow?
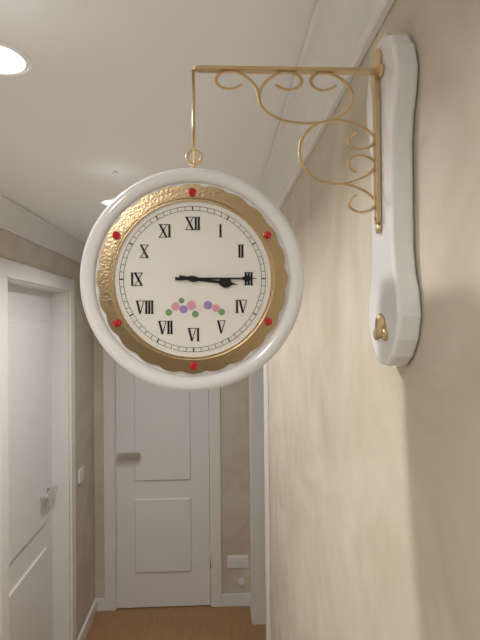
3h15
